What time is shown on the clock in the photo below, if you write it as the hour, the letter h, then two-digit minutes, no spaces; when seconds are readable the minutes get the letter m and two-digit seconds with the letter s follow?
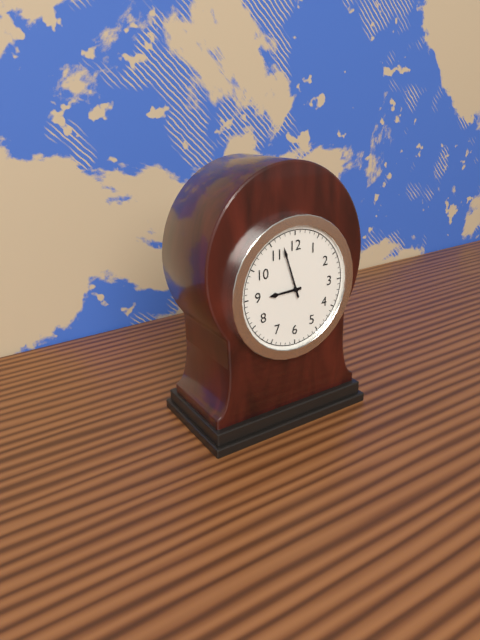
8h57
